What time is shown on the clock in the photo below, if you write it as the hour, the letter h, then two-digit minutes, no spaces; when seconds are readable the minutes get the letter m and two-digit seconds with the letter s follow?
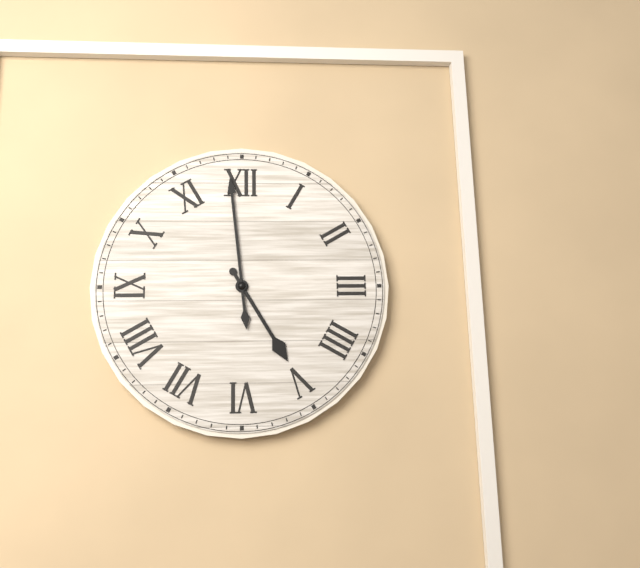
4h59
